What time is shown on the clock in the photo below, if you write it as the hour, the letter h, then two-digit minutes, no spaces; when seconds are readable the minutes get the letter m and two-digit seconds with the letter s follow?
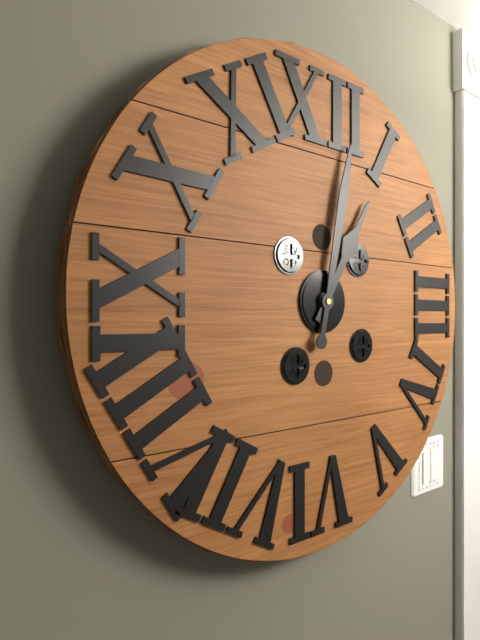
1h02
